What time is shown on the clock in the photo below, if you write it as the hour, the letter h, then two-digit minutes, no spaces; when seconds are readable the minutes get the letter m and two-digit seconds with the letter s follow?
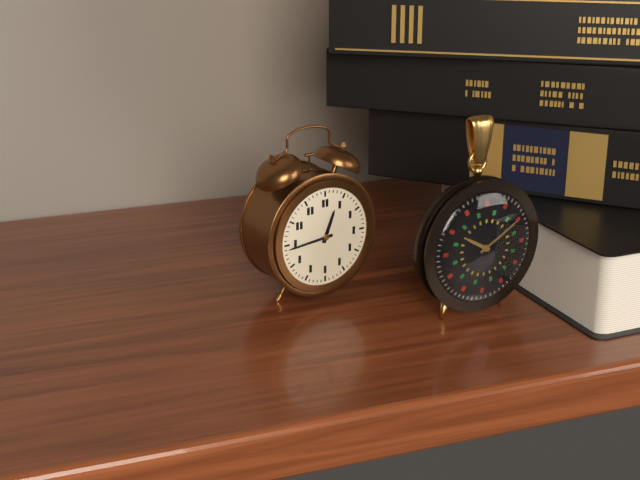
12h44
